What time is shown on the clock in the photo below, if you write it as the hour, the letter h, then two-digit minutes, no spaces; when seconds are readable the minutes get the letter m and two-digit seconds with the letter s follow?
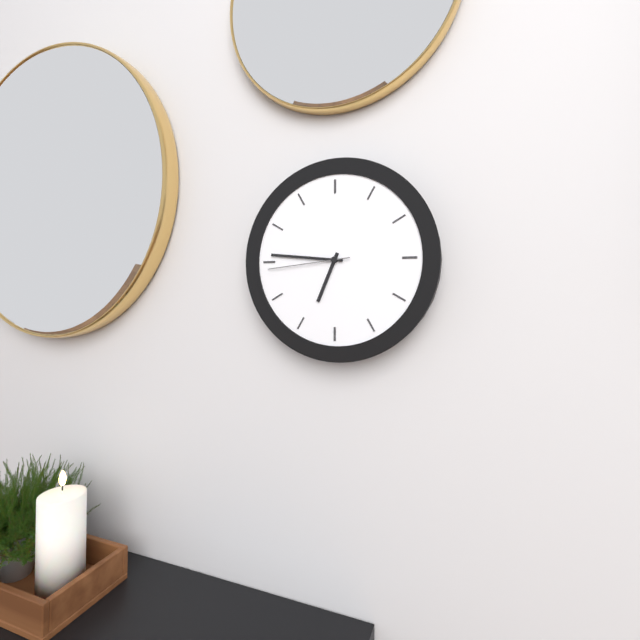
6h46m44s
